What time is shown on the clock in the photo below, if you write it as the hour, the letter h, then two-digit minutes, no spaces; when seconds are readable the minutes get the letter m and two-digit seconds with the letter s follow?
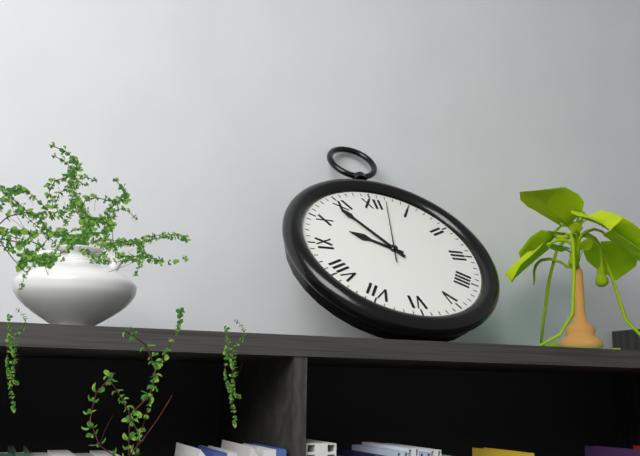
9h54m02s
